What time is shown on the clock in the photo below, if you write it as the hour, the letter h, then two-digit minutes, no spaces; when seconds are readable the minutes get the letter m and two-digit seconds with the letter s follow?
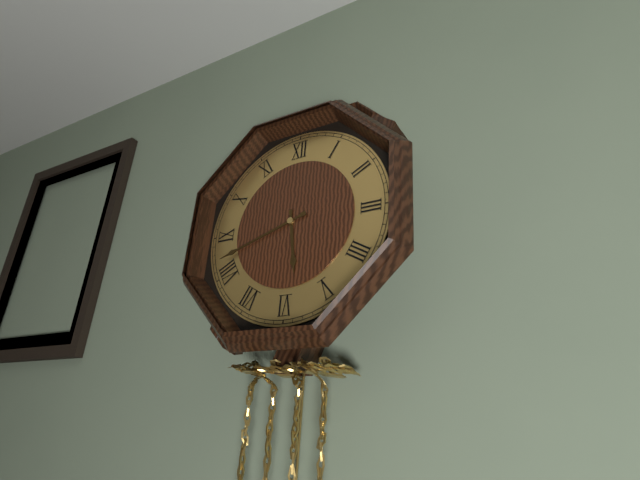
5h42
